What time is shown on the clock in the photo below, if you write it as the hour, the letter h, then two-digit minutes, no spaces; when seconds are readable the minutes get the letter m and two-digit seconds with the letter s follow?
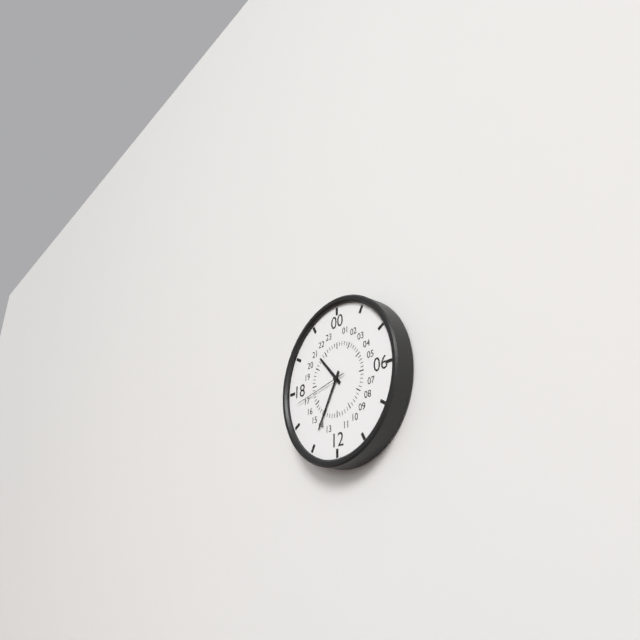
10h35m43s
